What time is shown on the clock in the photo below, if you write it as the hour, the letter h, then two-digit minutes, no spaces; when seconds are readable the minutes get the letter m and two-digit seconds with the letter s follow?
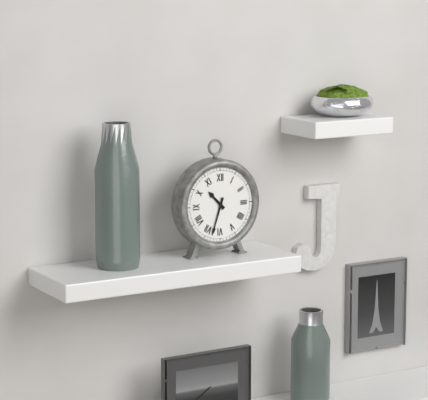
10h33
